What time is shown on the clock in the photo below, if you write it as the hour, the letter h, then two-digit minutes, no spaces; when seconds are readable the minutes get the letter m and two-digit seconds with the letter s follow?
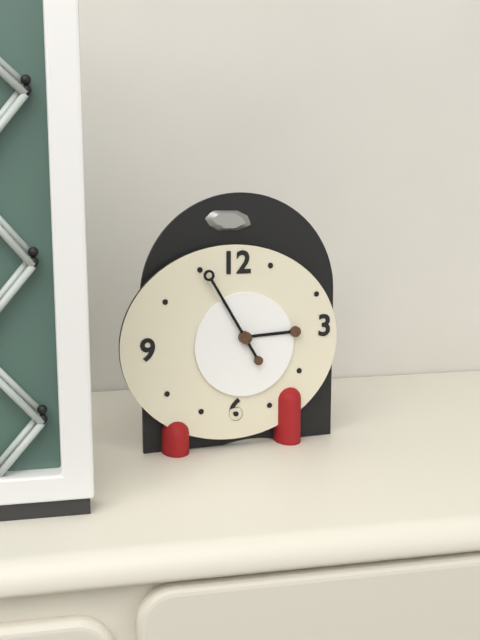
2h55
